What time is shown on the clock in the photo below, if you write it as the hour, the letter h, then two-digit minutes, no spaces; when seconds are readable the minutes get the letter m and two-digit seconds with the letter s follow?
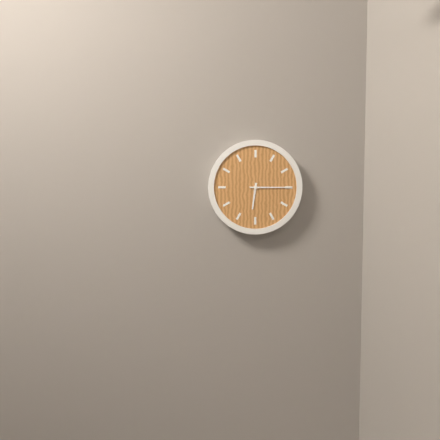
6h15
